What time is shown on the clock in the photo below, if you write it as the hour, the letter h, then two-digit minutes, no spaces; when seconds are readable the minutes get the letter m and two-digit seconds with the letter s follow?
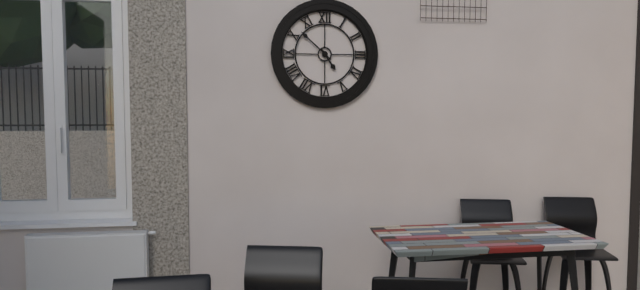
4h52
